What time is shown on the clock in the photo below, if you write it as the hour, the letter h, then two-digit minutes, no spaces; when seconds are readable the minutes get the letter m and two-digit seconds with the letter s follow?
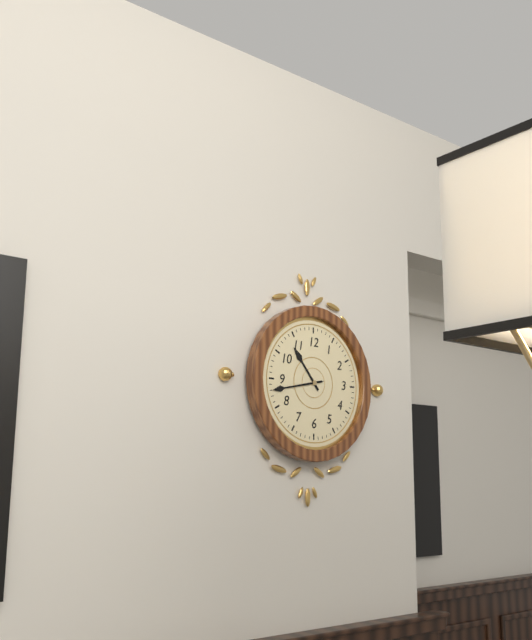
10h43
